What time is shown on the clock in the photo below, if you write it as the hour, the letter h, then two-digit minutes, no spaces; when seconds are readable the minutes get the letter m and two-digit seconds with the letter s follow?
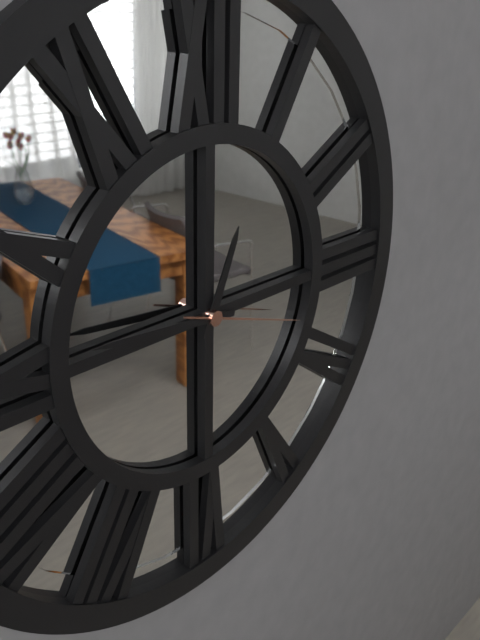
12h46m18s
